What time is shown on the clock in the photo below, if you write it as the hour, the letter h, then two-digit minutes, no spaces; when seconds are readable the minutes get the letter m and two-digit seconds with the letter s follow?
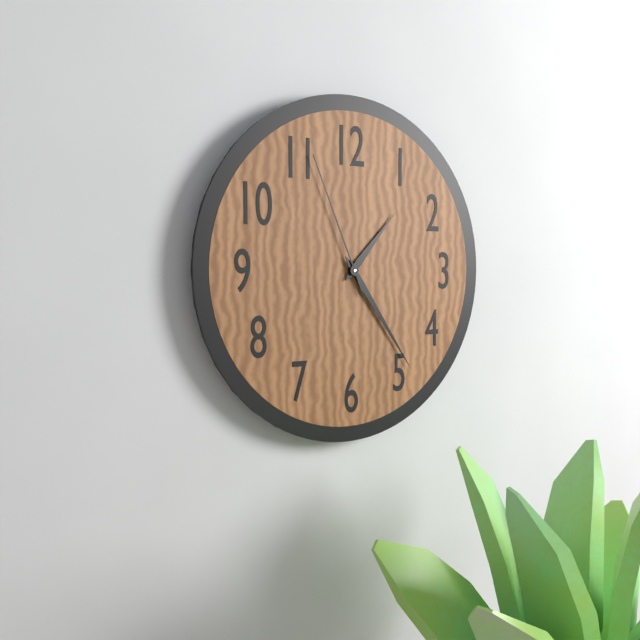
1h24m56s
